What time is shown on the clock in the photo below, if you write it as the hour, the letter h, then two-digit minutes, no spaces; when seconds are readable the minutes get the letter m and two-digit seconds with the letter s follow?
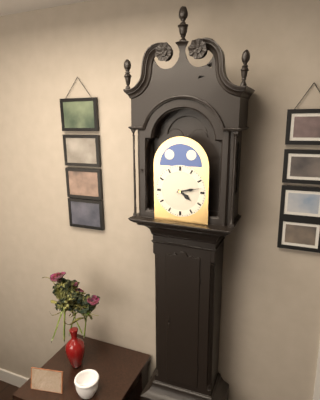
4h13
